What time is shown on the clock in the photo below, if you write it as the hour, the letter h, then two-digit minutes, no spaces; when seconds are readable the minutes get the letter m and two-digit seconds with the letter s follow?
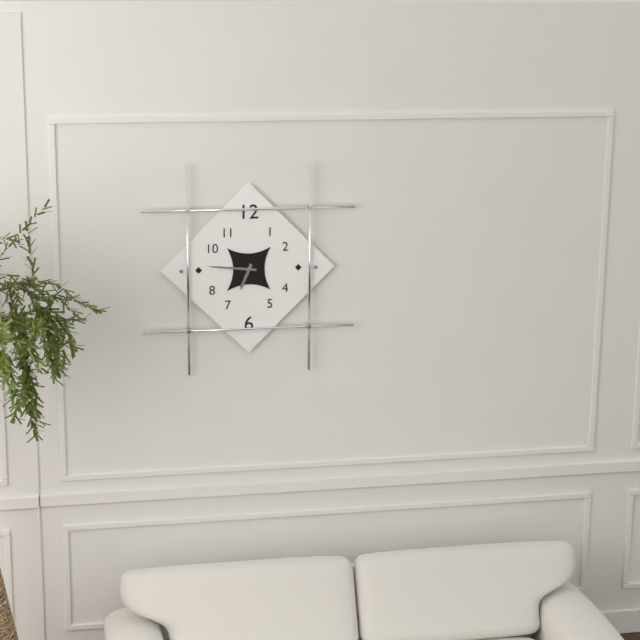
6h46
